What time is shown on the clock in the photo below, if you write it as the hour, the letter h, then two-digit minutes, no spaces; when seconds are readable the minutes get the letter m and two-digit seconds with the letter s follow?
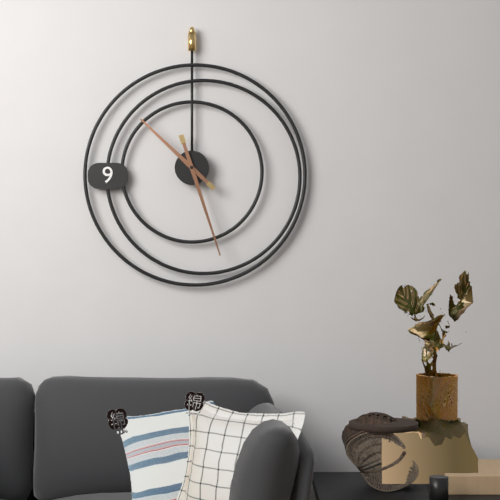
10h27
